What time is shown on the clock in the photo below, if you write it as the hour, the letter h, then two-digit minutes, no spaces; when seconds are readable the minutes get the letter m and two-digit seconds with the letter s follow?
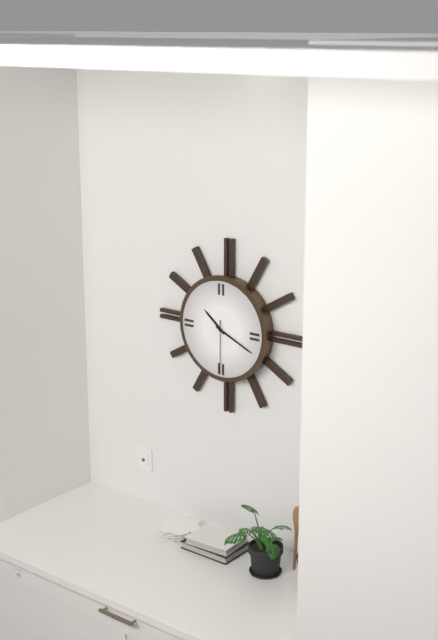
10h19m30s
